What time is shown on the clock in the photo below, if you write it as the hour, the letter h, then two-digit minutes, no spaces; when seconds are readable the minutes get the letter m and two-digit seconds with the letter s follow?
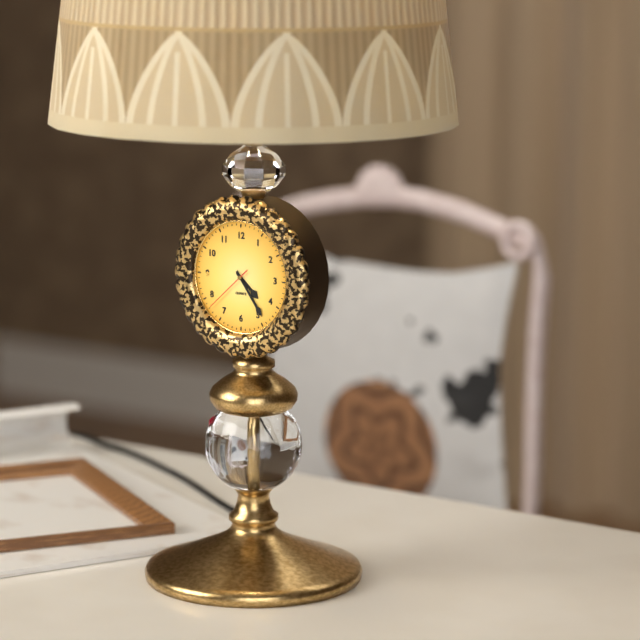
4h24m38s
